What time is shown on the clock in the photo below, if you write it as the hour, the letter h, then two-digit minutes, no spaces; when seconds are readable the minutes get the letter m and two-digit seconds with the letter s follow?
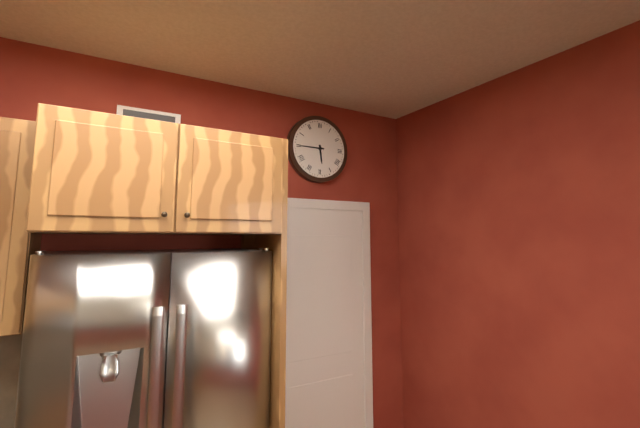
5h45
